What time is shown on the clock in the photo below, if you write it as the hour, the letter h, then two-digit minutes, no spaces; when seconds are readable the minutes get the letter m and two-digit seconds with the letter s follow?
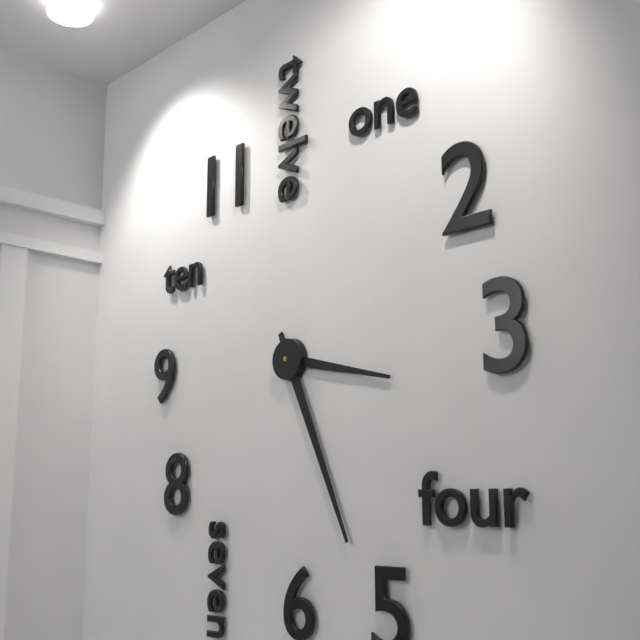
3h26
